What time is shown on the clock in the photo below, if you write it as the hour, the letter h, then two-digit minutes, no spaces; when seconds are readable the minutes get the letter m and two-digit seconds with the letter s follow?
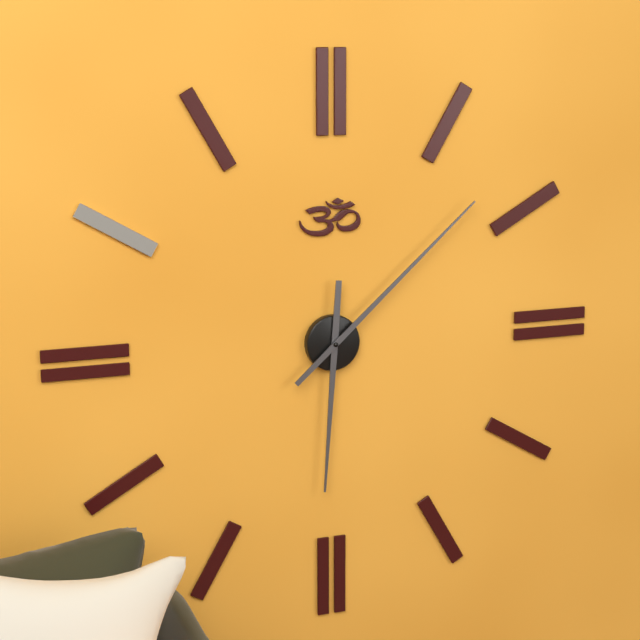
6h08
